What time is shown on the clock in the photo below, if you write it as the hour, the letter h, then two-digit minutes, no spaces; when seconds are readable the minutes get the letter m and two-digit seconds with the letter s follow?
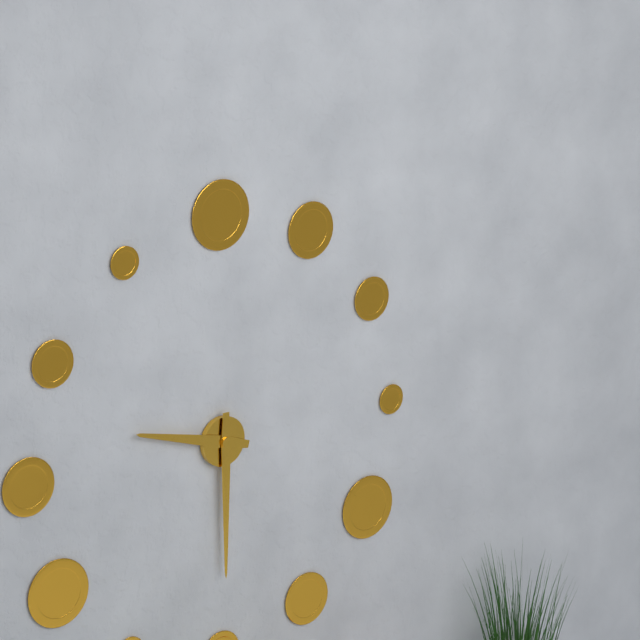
9h30
